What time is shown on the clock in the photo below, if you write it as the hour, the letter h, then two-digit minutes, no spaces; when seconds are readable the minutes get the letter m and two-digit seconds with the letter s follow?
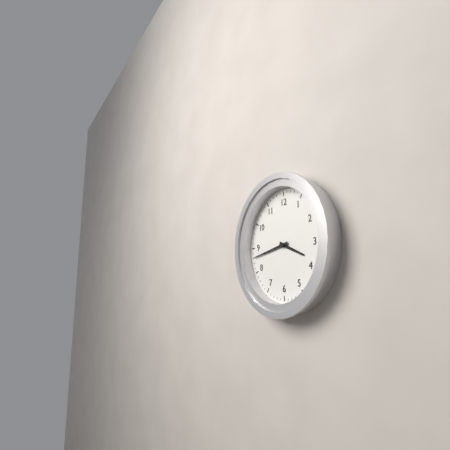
3h43
